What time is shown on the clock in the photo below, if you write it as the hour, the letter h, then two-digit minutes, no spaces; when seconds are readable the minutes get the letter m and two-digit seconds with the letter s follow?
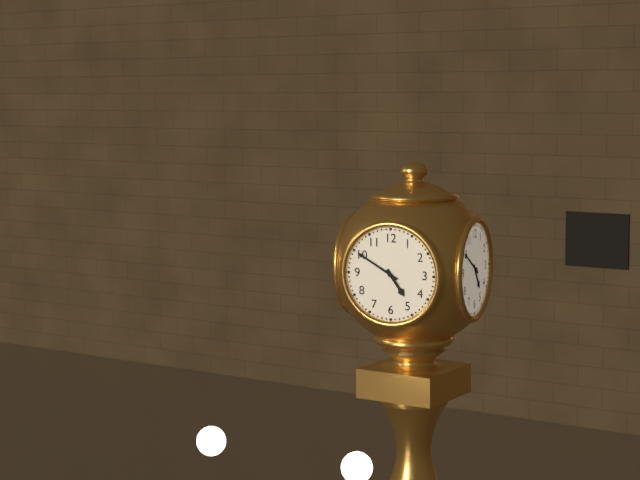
4h50
